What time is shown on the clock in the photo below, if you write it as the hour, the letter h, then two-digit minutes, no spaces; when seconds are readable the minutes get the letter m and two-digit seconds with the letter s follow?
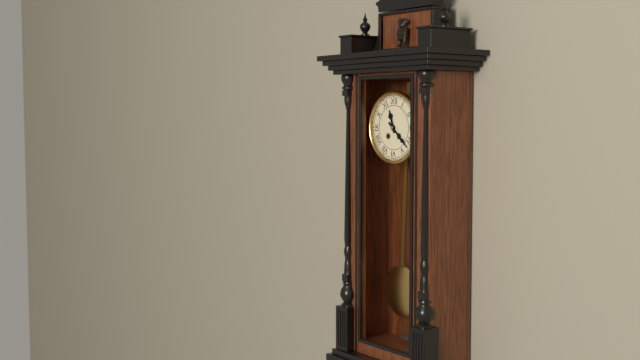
11h22
